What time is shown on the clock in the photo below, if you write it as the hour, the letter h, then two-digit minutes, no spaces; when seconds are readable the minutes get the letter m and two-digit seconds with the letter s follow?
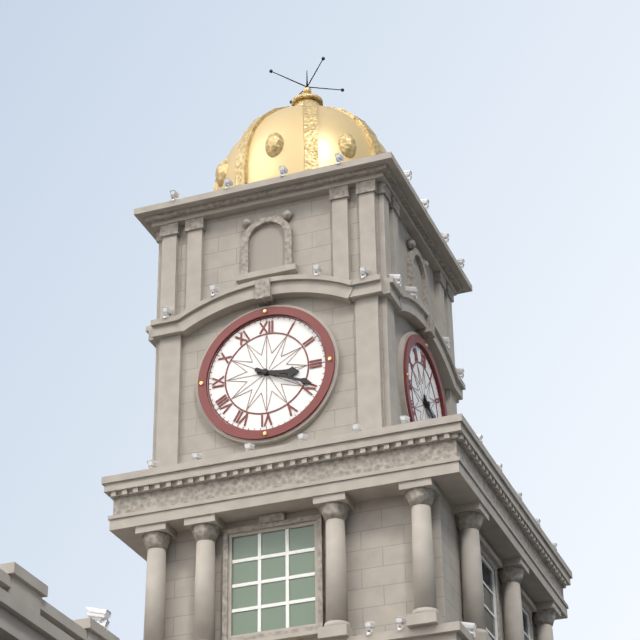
3h19
